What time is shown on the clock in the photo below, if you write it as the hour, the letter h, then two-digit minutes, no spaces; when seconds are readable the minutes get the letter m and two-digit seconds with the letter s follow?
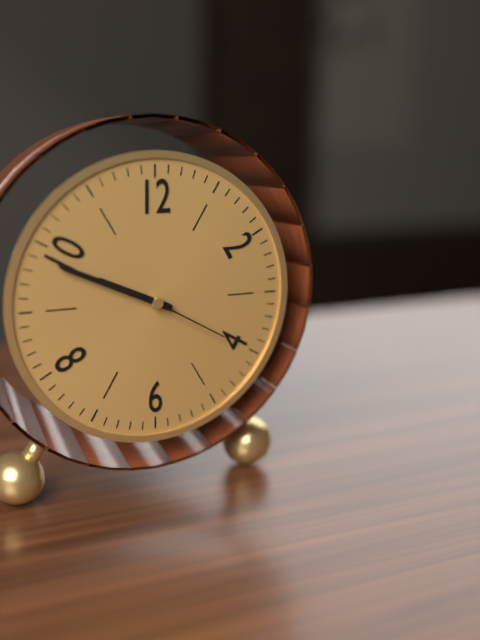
9h49m20s
